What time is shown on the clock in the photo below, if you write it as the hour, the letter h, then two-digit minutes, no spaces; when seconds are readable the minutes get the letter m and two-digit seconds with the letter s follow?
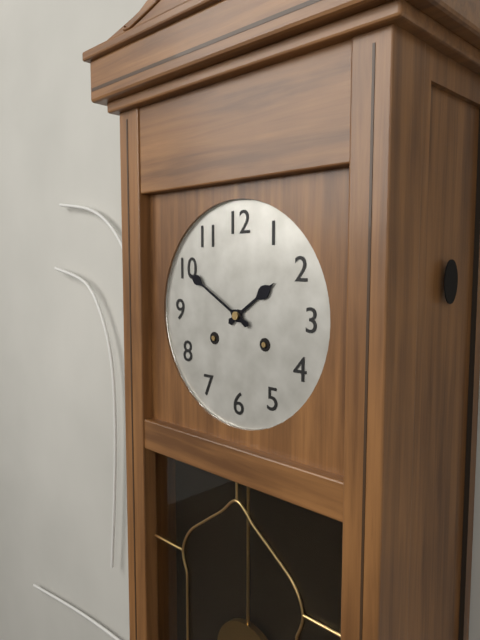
1h50
